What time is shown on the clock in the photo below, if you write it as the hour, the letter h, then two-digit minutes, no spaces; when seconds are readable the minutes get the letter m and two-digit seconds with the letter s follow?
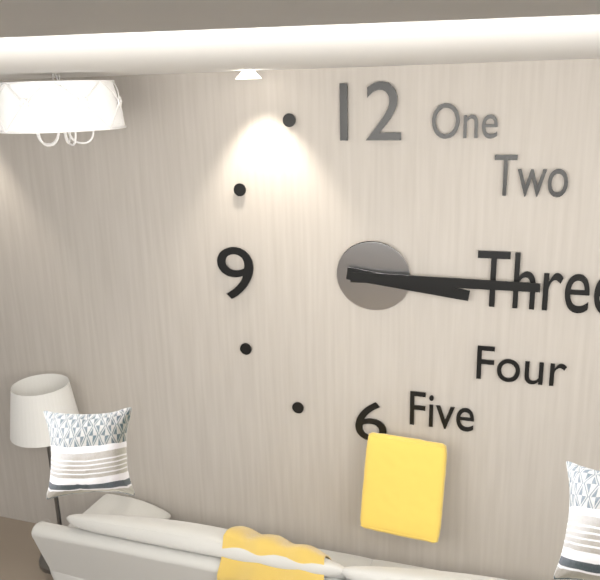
3h15
